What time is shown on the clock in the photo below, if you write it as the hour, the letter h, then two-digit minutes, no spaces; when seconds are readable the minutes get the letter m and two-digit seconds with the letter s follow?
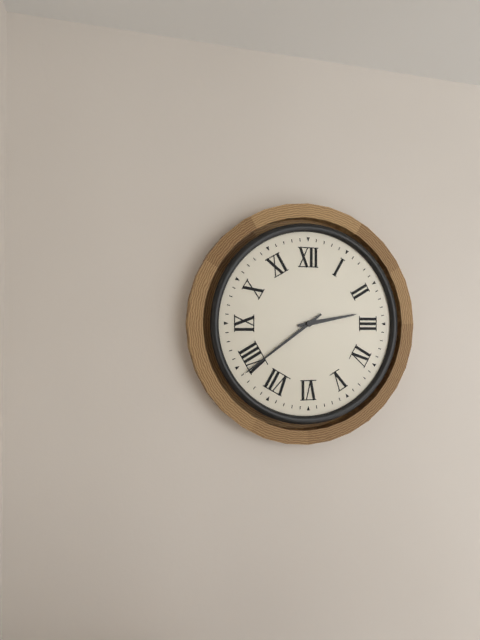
2h39
